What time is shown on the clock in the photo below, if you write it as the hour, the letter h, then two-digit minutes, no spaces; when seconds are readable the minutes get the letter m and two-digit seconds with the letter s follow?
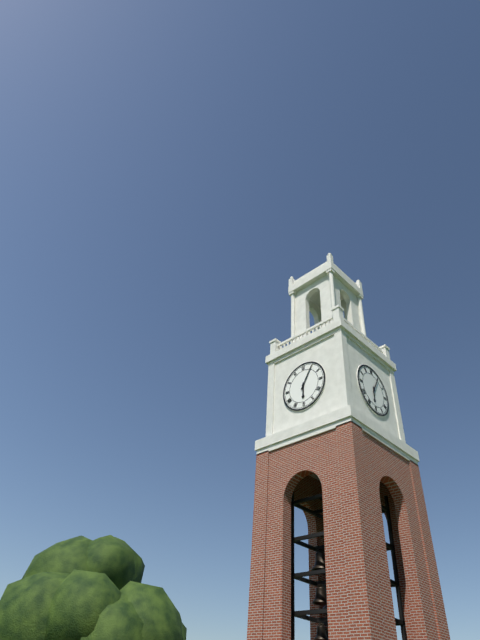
6h05
